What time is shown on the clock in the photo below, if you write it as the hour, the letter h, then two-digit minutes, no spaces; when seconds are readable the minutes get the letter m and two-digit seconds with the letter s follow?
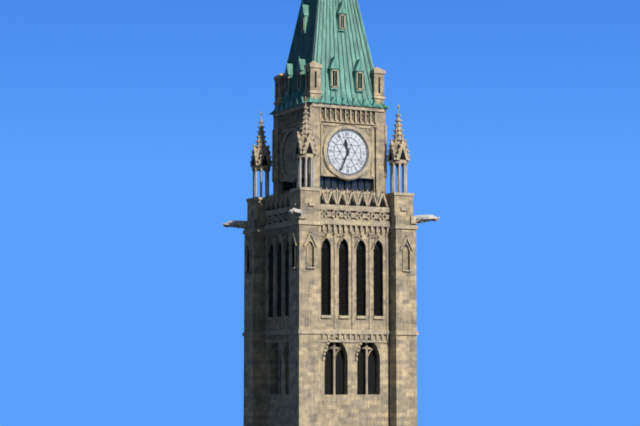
11h34
